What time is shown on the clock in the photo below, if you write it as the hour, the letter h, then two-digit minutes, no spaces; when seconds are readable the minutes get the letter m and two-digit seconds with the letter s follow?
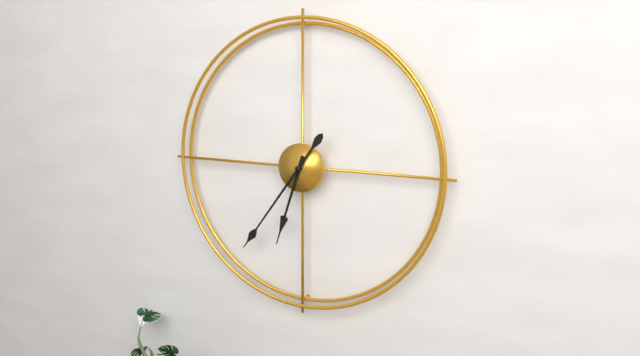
6h36
